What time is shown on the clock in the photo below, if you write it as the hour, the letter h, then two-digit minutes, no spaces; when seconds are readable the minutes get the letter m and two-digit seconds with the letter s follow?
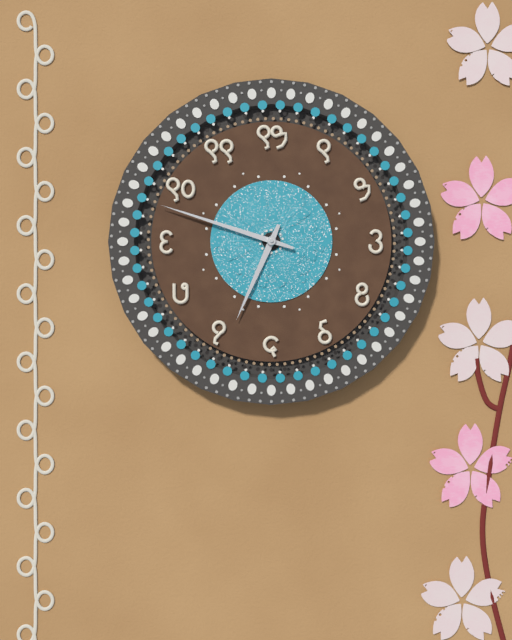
6h48
